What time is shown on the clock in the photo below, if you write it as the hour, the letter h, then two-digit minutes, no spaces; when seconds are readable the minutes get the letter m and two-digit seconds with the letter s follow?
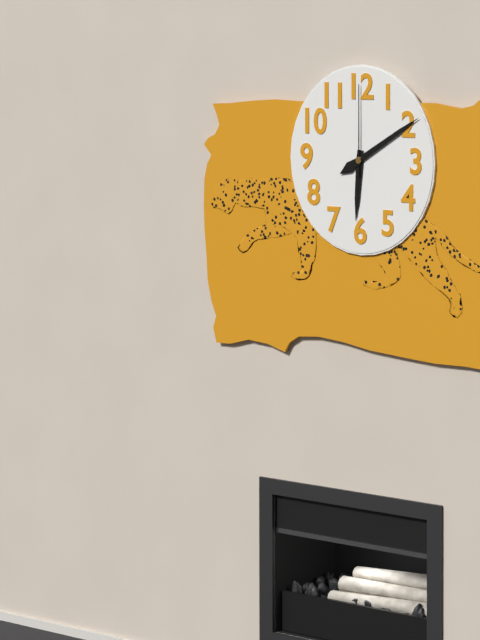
6h10m00s
